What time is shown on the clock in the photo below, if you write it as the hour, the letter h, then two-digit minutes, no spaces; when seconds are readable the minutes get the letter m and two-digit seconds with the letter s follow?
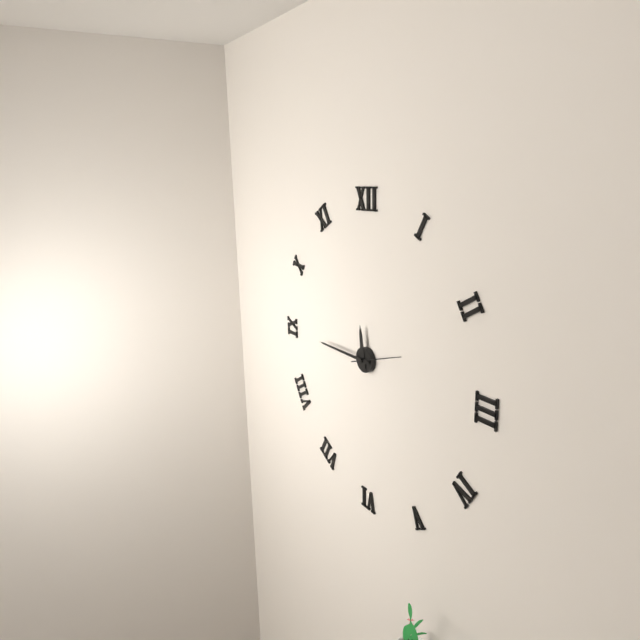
11h45
